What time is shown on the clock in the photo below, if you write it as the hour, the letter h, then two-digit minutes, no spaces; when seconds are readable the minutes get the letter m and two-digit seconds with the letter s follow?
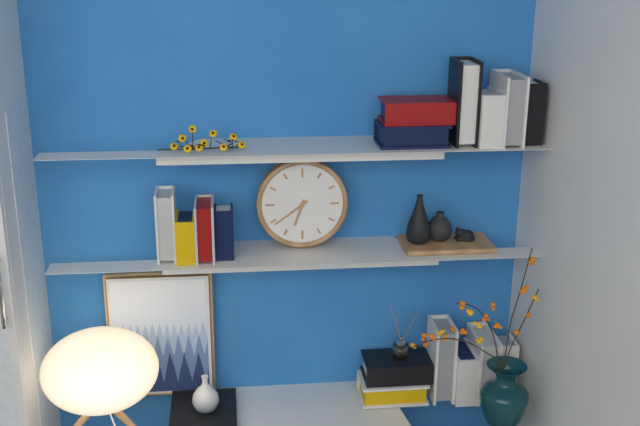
6h39
